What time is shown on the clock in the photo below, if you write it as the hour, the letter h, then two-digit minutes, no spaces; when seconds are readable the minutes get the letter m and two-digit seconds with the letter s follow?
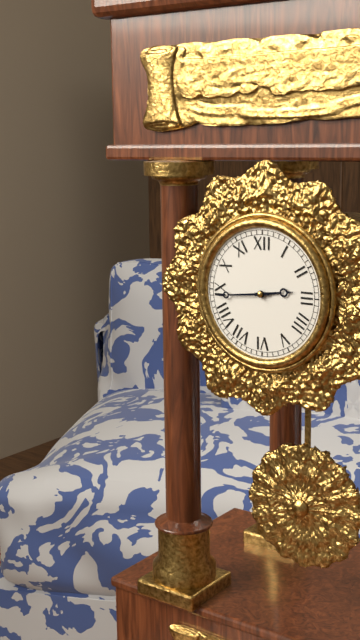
2h44
